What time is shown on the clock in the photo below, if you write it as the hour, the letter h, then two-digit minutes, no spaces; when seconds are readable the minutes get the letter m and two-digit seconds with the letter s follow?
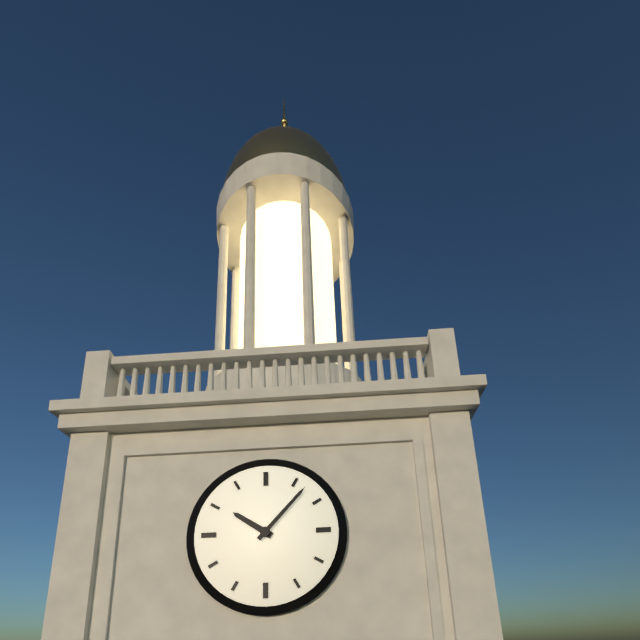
10h07
